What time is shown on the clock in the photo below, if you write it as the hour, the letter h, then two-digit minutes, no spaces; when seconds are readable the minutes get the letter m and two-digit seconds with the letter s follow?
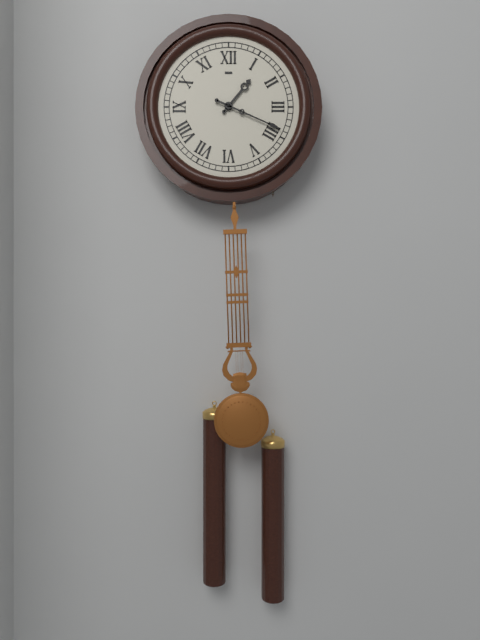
1h19
